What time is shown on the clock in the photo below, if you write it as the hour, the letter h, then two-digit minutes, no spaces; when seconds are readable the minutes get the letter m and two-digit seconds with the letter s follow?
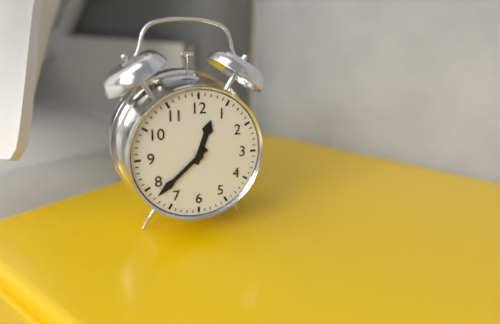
12h38
